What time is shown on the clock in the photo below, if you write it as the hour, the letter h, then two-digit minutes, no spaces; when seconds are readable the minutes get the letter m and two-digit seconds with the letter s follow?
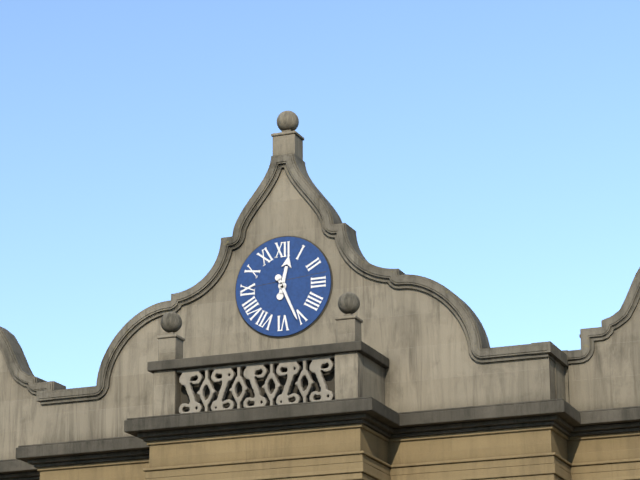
12h26
